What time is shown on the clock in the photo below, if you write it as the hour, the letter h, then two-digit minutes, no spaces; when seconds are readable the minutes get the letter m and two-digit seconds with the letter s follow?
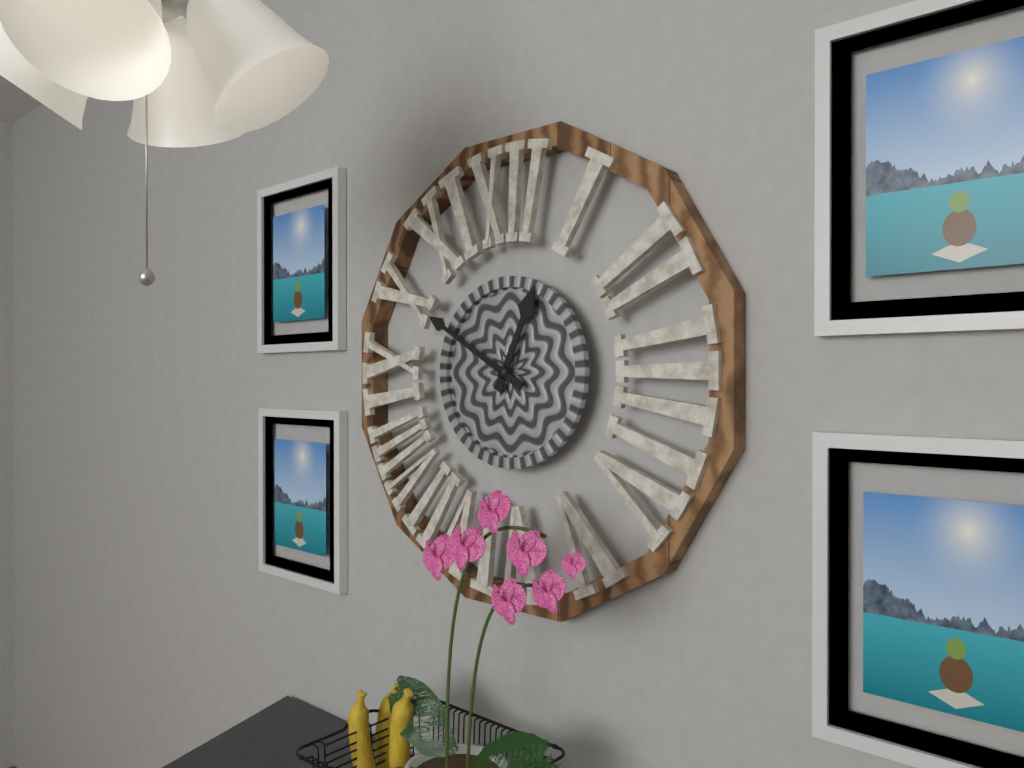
12h50
